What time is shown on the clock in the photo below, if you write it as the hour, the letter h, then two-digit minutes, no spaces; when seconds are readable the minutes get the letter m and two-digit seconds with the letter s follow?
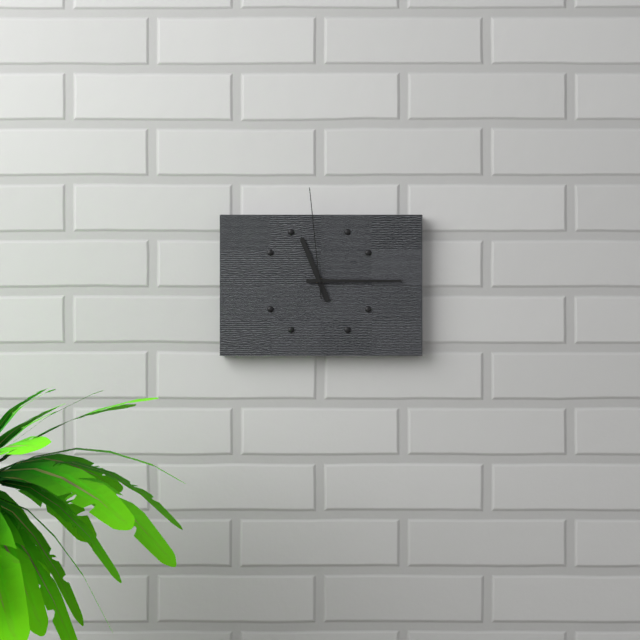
11h15m59s
